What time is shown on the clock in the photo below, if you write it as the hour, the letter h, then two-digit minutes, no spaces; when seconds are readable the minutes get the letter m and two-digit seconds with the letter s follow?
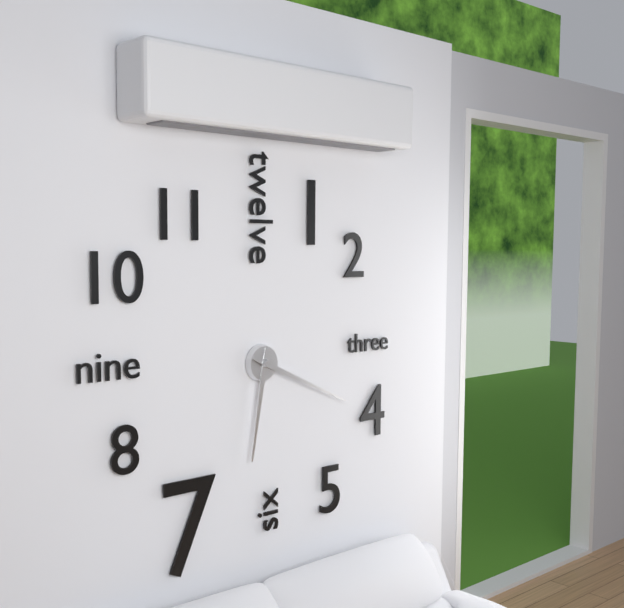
6h19
